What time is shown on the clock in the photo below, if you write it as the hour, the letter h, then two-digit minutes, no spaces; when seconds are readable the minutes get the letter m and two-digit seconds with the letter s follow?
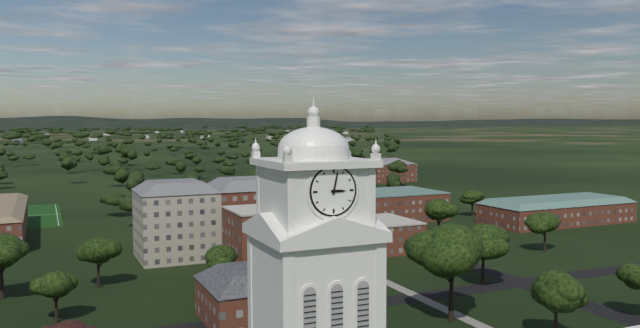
3h02
